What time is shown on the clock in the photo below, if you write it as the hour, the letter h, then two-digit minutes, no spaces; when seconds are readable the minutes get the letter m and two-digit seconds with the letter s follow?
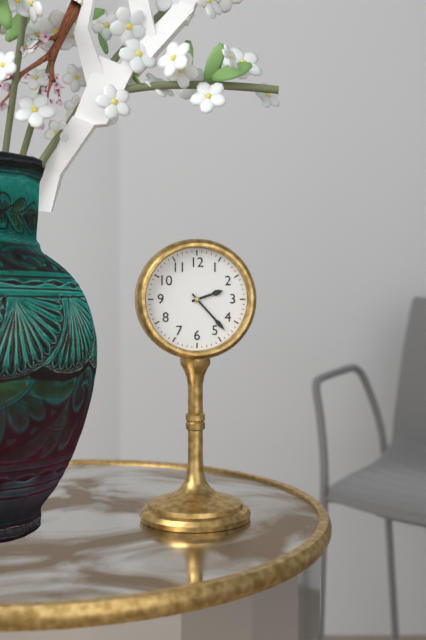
2h23
